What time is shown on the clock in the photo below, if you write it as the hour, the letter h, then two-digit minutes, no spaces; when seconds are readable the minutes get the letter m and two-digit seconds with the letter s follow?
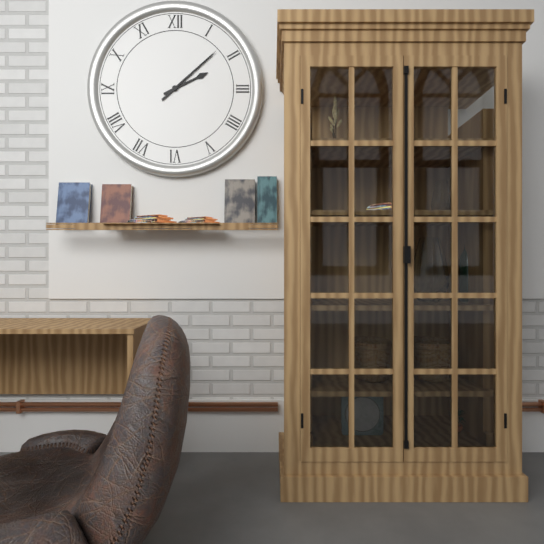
2h08
